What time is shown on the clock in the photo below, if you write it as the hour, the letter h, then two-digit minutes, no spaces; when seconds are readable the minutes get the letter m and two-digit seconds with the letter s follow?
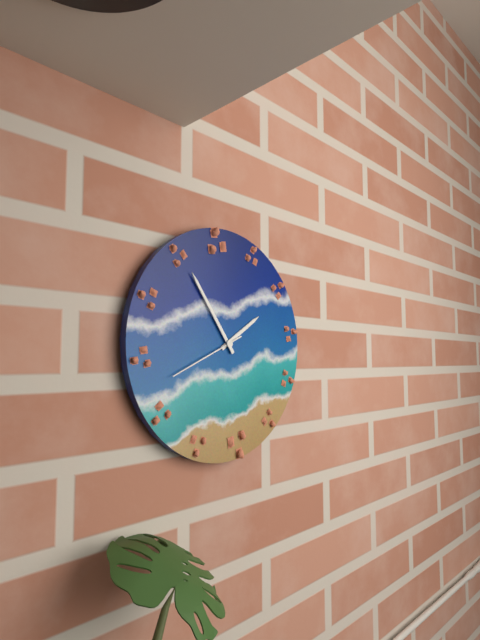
1h54m41s
